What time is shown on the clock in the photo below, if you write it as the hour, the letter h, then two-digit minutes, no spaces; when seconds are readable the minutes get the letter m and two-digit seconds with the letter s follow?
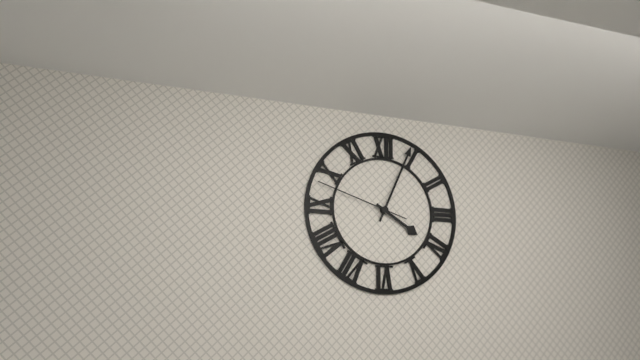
4h04m48s
